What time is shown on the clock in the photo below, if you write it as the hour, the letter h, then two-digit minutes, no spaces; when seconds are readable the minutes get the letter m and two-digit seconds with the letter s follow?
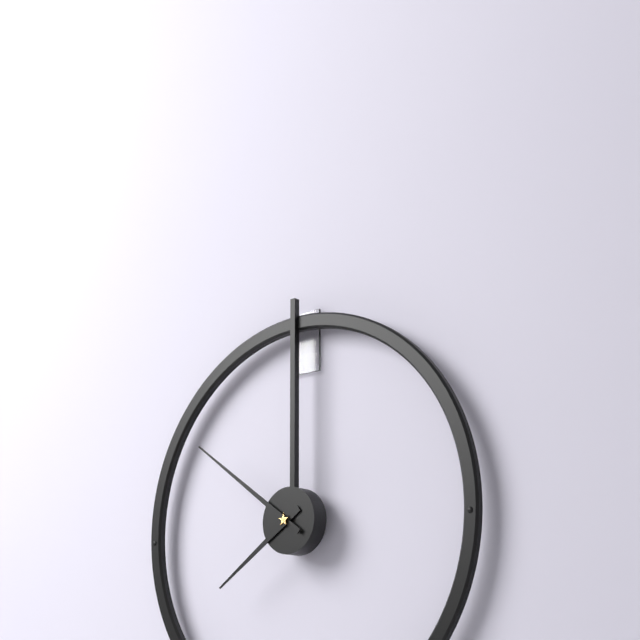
7h51
